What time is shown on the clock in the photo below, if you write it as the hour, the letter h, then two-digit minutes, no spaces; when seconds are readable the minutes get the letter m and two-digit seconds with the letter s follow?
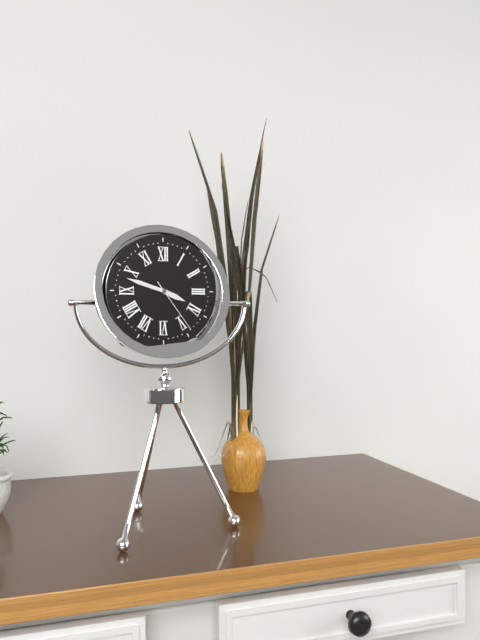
3h48m24s
